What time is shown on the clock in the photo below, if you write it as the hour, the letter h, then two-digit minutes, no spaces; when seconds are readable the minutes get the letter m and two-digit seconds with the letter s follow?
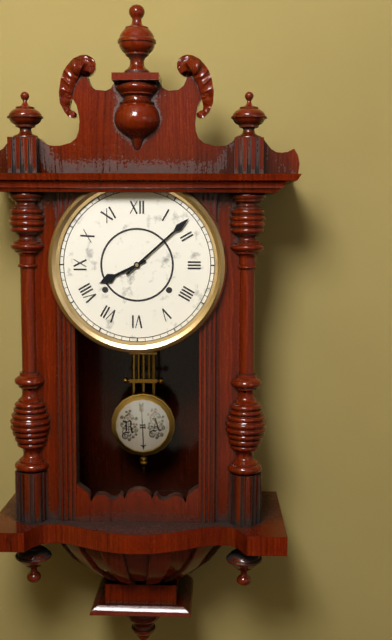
8h08
